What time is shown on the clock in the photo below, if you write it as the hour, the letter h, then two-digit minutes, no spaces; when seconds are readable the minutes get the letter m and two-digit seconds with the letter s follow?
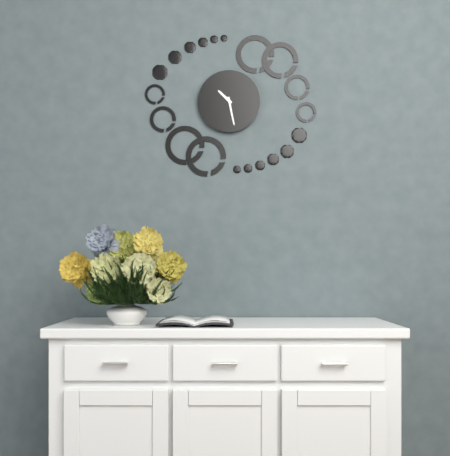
10h28
